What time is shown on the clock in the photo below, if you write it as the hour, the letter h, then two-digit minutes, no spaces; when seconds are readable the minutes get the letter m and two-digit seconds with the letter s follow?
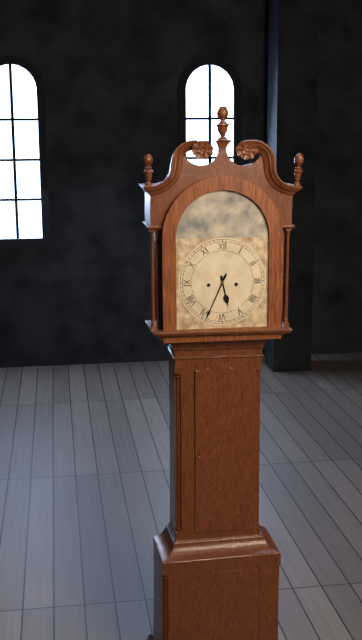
5h34
